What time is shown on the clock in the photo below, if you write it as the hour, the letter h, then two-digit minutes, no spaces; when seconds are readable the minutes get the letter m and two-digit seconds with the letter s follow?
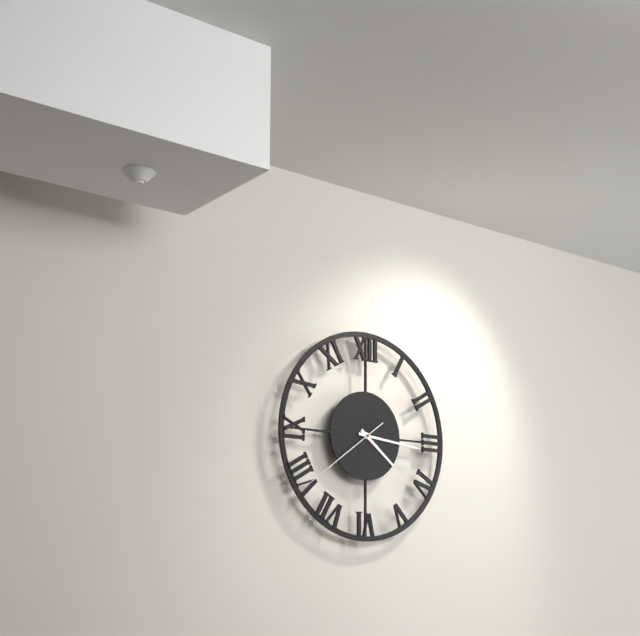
4h16m39s
